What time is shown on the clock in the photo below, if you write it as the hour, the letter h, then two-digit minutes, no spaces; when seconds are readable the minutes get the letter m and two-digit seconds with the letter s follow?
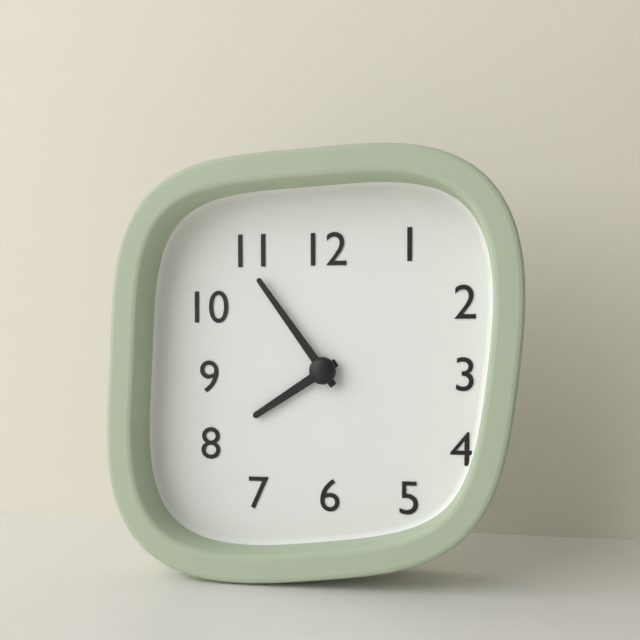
7h54
